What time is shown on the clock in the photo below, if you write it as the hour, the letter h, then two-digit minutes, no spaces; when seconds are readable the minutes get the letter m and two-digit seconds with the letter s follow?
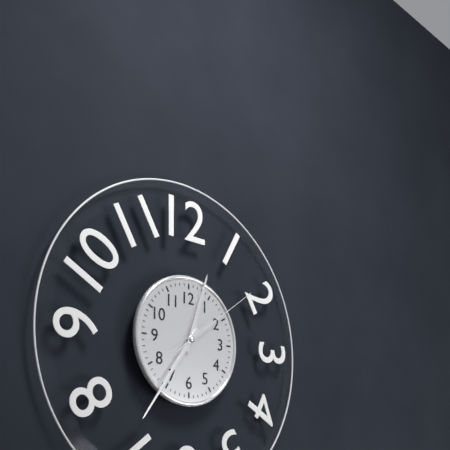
12h36m09s
